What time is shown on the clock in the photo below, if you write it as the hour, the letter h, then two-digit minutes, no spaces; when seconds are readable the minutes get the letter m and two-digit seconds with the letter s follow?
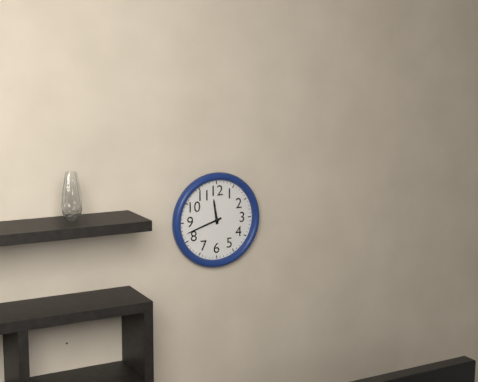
11h42
